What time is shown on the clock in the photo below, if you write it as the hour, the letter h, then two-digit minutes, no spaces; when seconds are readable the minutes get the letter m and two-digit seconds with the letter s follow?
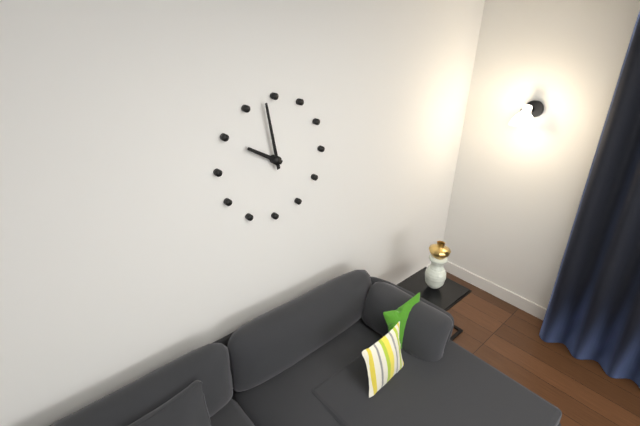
9h58
